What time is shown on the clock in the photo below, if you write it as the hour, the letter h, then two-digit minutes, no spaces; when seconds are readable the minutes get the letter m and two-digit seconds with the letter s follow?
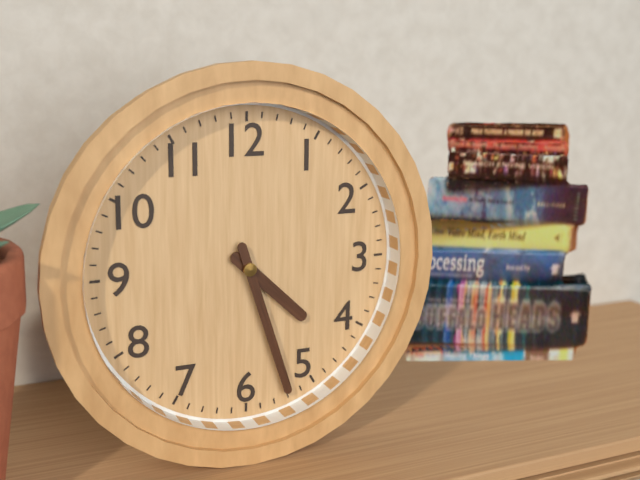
4h27
